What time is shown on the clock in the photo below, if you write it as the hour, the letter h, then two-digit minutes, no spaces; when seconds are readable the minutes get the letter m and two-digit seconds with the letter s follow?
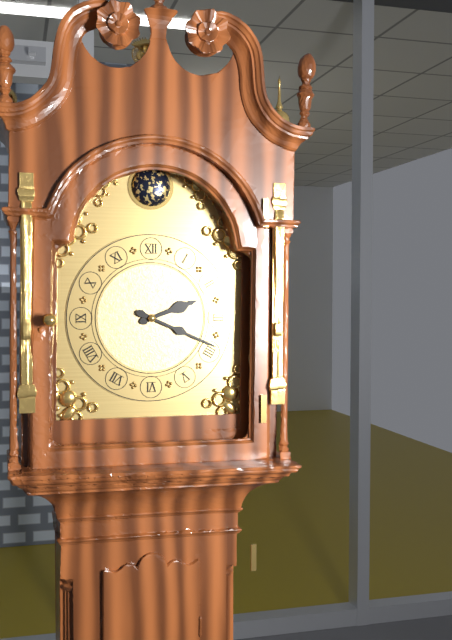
2h19
